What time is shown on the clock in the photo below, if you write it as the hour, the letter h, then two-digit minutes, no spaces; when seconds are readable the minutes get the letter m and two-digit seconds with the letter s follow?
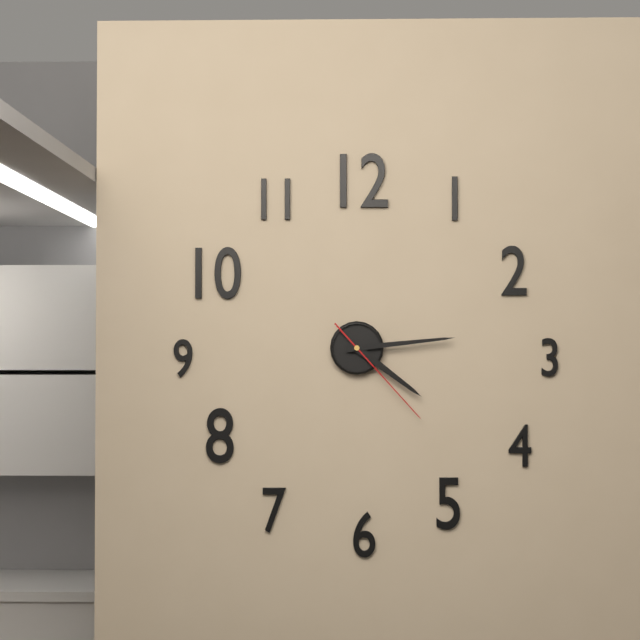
4h14m23s
